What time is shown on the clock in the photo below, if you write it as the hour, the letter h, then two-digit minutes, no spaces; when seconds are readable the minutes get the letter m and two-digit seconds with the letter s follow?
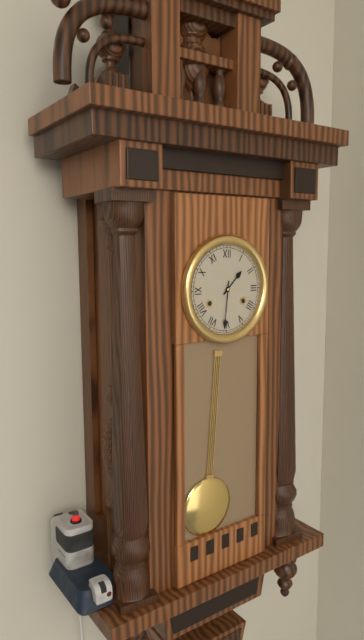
1h31
